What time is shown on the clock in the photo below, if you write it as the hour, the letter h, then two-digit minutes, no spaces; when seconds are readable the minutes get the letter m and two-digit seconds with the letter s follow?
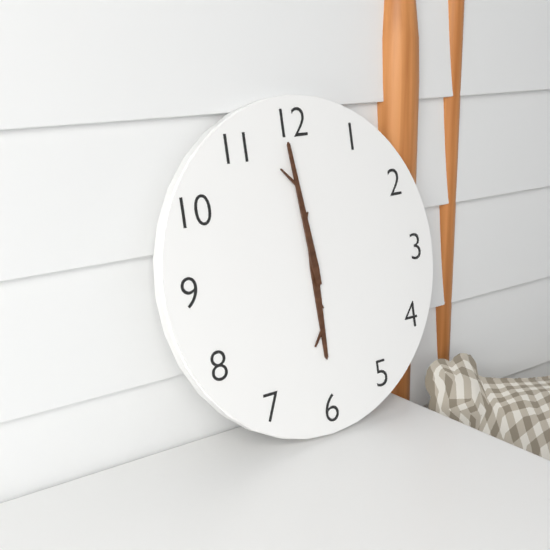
5h59
